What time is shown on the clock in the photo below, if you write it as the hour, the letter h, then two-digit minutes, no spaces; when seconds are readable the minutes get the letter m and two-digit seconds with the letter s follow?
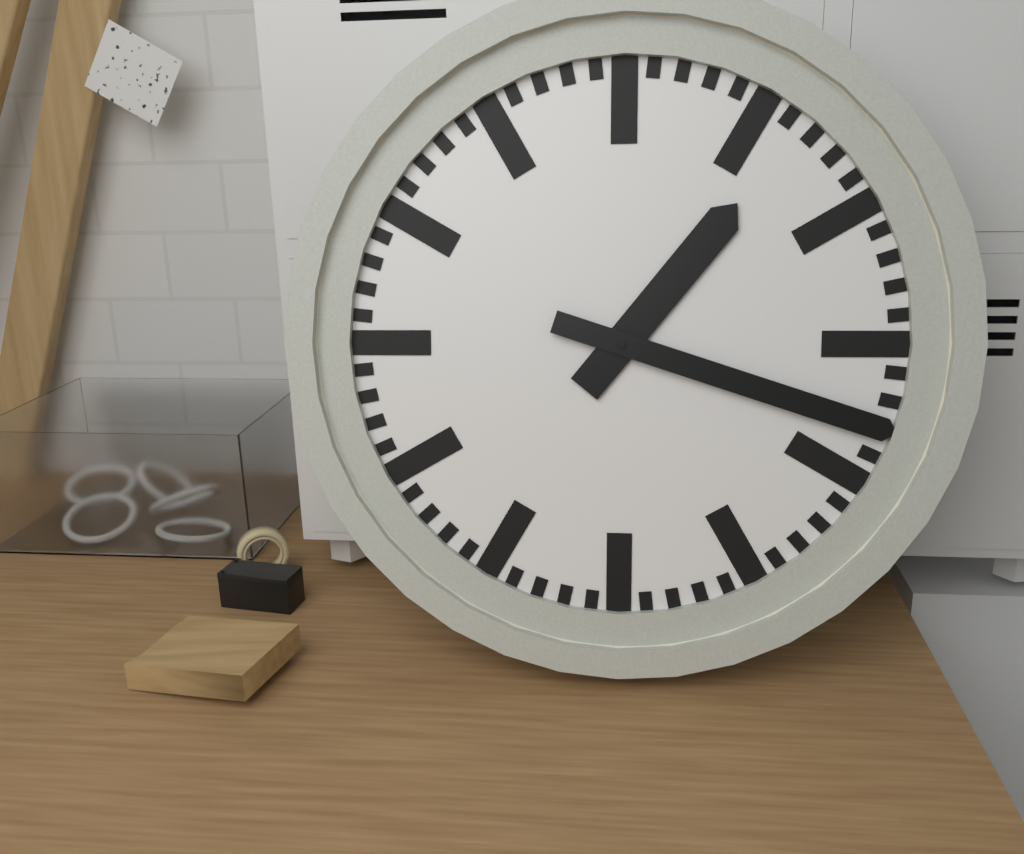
1h18
